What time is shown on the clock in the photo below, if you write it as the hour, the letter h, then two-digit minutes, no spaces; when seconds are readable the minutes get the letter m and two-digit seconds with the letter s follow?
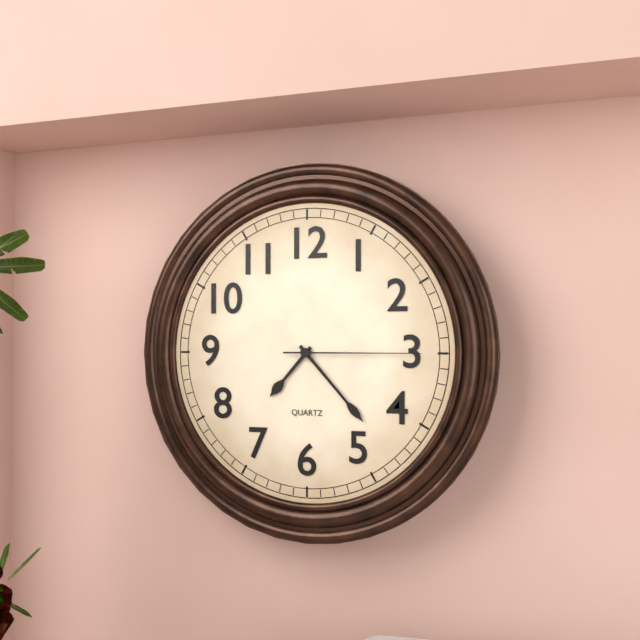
7h23m15s
